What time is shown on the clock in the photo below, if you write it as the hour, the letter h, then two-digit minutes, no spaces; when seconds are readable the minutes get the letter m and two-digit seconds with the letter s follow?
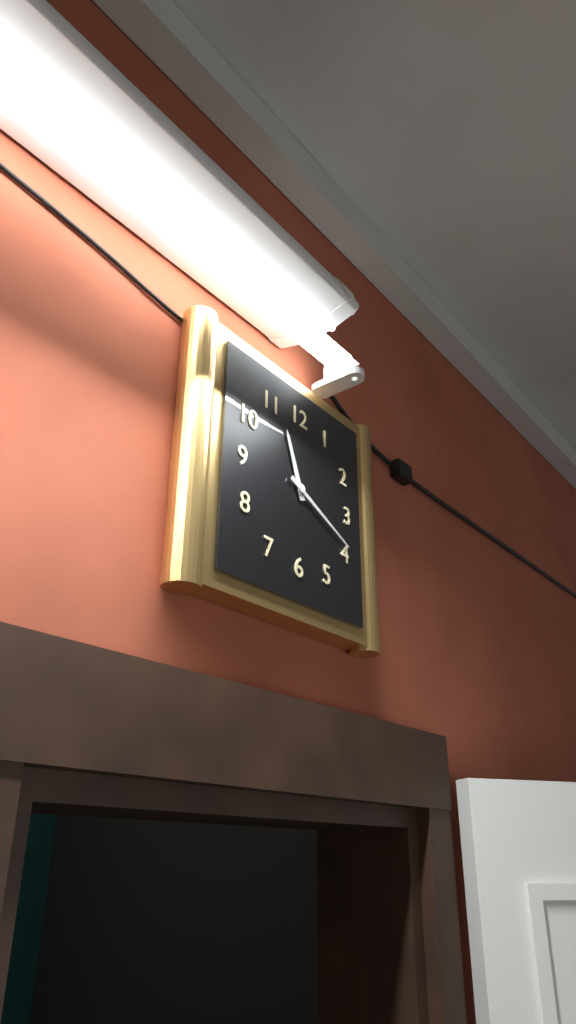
11h19
